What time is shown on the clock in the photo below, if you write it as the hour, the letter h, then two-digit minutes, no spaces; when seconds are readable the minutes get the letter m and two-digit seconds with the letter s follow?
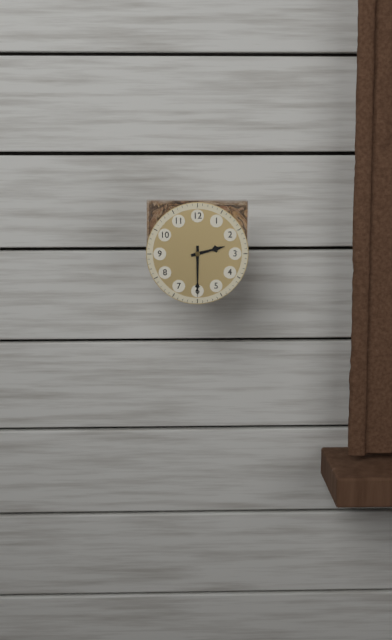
2h30
